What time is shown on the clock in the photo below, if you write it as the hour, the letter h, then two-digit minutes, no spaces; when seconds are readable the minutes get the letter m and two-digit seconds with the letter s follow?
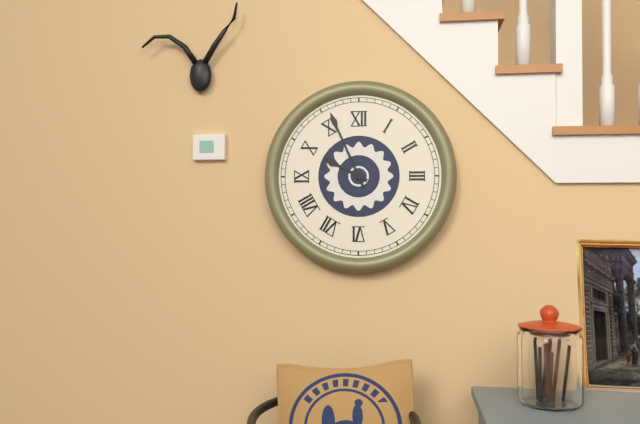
9h56
